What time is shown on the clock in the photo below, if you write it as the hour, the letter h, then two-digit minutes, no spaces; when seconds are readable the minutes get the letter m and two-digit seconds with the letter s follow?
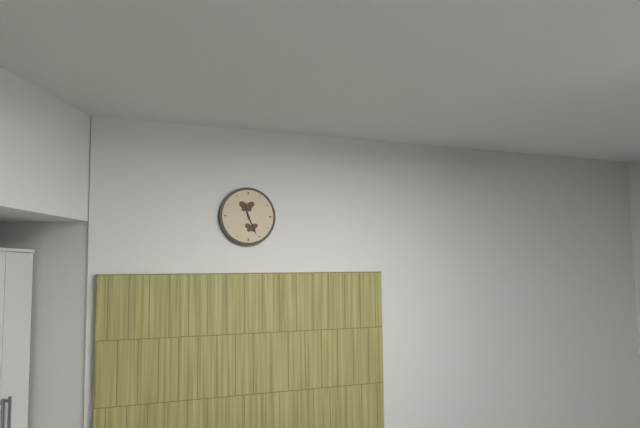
11h26
